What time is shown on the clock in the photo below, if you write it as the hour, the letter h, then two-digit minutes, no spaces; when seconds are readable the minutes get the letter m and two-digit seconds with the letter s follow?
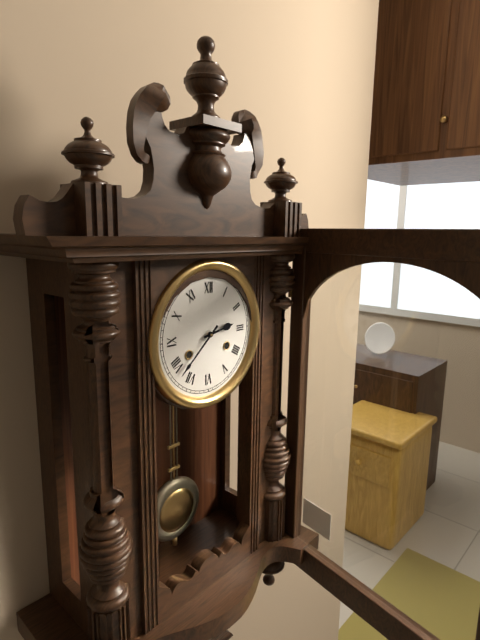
2h38
